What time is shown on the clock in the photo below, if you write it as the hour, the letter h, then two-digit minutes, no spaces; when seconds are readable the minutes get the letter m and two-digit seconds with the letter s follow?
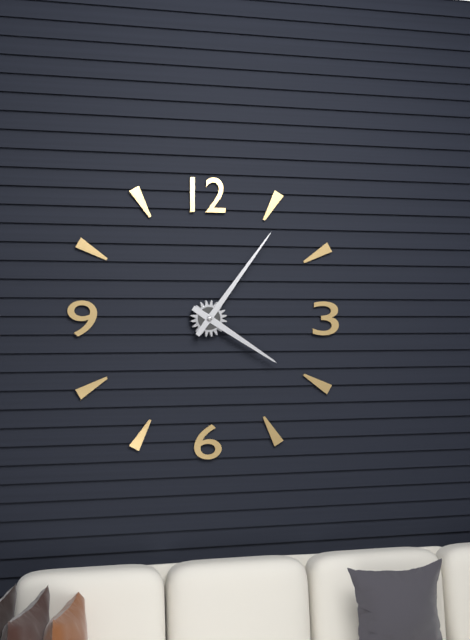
4h06
